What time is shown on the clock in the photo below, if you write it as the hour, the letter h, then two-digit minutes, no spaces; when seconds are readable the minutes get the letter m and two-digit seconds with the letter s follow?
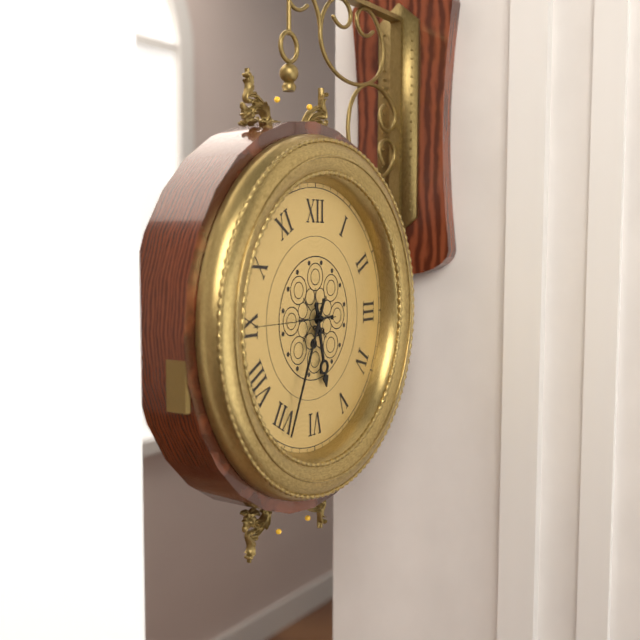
5h34
